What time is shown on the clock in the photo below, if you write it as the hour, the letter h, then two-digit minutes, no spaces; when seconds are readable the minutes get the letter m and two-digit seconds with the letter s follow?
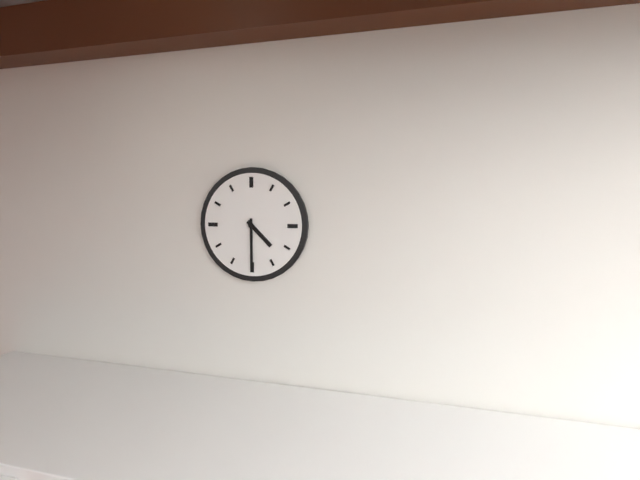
4h30
